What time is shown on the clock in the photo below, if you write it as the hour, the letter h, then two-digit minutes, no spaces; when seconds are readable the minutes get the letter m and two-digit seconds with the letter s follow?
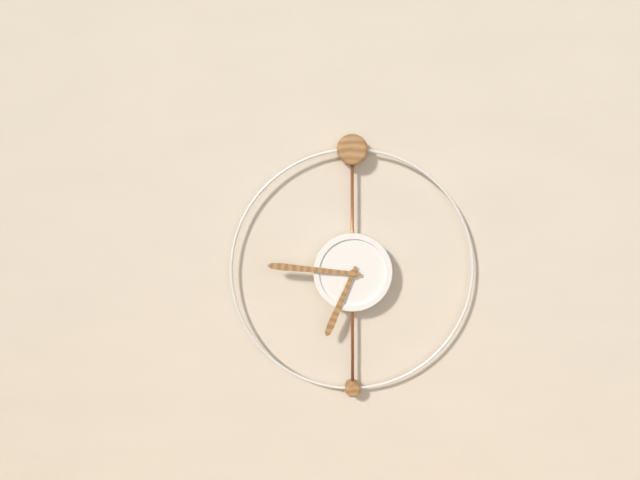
6h46
